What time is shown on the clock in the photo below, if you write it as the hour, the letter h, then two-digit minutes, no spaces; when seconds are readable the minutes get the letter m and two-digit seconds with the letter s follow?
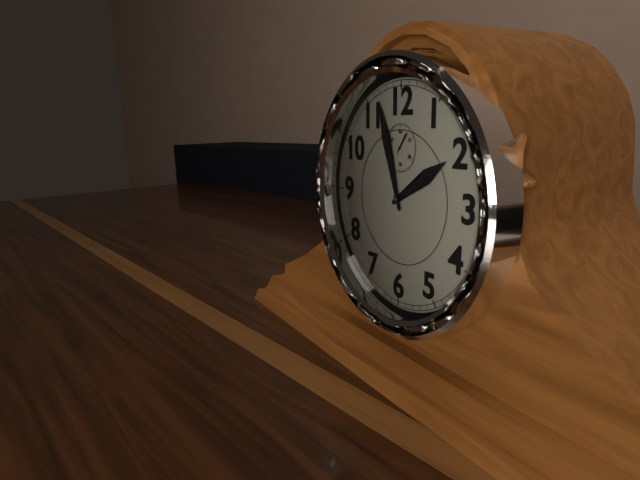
1h57
